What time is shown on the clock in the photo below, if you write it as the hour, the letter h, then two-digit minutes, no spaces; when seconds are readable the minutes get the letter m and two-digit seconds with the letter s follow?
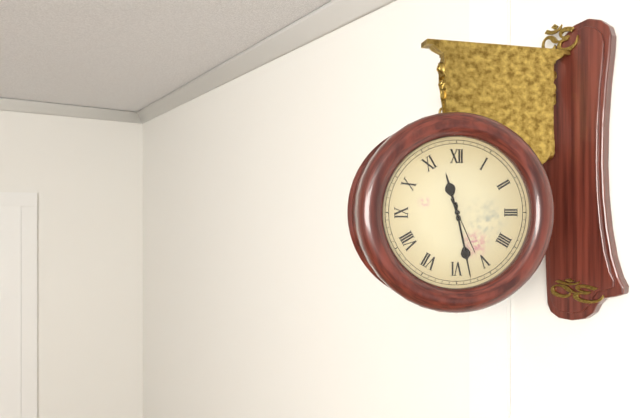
11h28m26s
